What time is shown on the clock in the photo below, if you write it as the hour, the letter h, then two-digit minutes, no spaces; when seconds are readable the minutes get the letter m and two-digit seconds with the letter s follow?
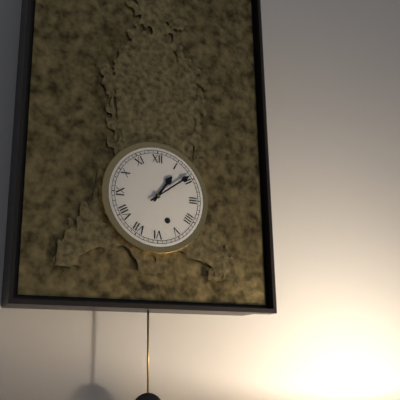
1h09
